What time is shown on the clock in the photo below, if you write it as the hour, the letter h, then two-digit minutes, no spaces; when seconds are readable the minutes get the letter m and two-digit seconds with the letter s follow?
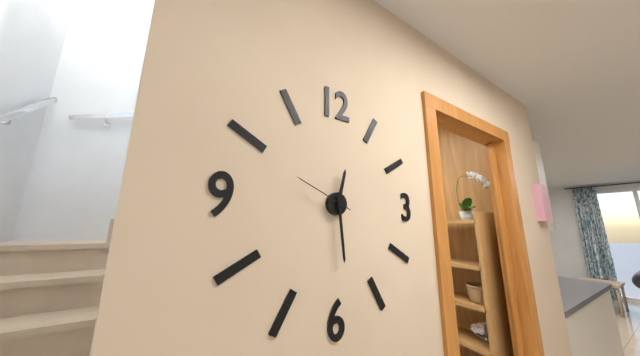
12h29m49s
